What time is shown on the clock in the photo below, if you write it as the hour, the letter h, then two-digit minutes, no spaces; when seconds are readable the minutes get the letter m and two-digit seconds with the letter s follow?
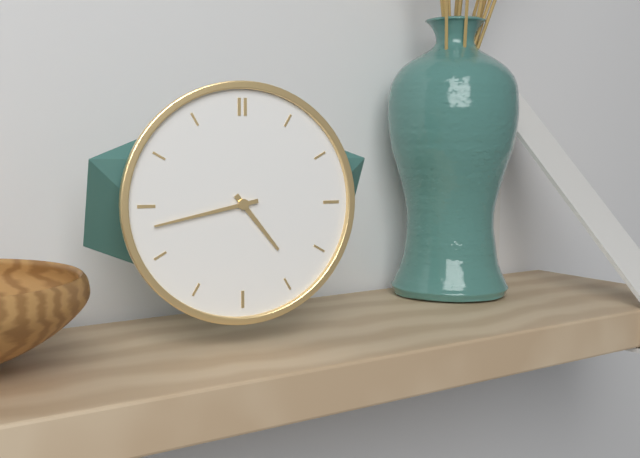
4h43
